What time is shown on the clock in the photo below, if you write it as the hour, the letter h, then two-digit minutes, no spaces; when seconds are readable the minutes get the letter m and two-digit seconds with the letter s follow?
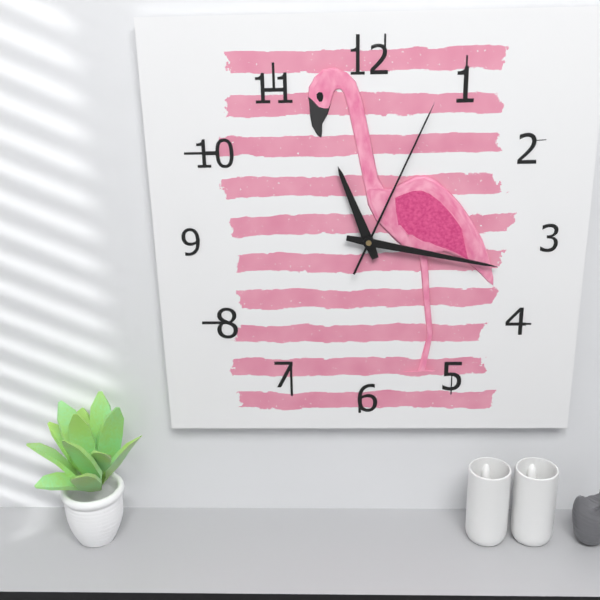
11h17m04s
